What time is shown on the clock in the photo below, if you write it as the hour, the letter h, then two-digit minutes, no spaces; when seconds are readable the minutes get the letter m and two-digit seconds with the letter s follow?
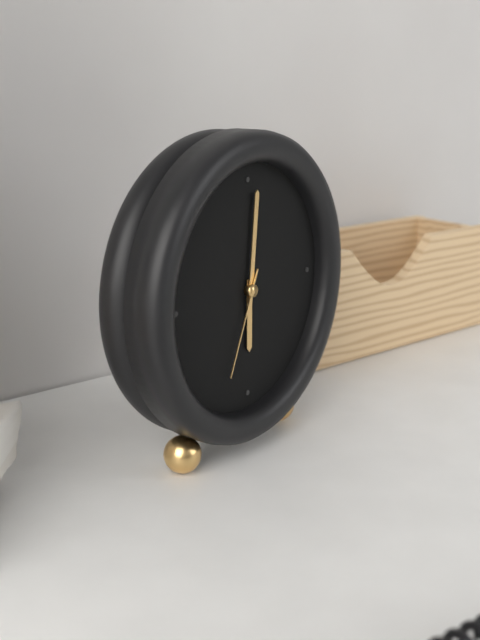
6h01m34s
